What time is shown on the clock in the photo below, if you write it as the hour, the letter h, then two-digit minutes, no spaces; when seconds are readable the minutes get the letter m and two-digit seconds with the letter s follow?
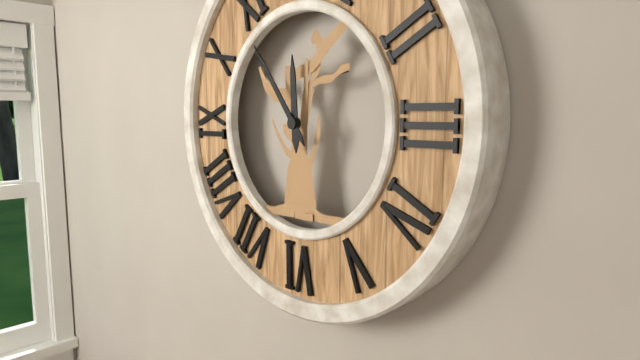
11h54
